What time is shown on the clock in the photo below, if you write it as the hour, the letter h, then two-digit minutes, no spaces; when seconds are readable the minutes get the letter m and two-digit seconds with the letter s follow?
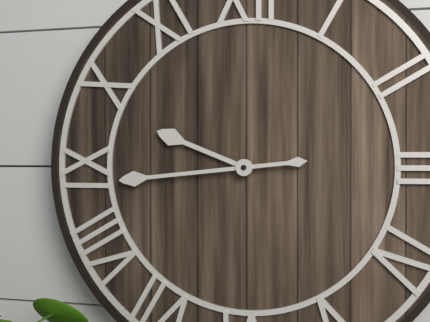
9h44
